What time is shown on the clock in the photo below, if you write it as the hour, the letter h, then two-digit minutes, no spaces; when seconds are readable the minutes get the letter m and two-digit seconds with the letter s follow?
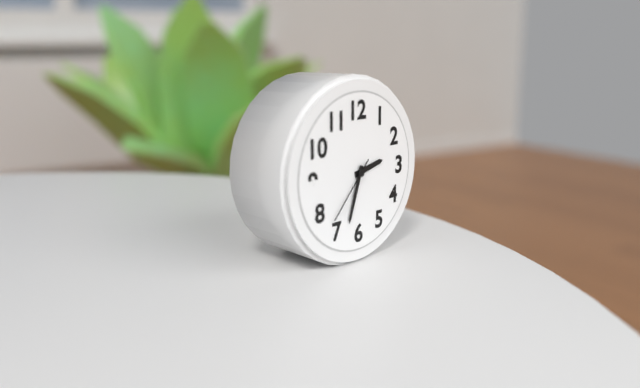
2h33m37s
